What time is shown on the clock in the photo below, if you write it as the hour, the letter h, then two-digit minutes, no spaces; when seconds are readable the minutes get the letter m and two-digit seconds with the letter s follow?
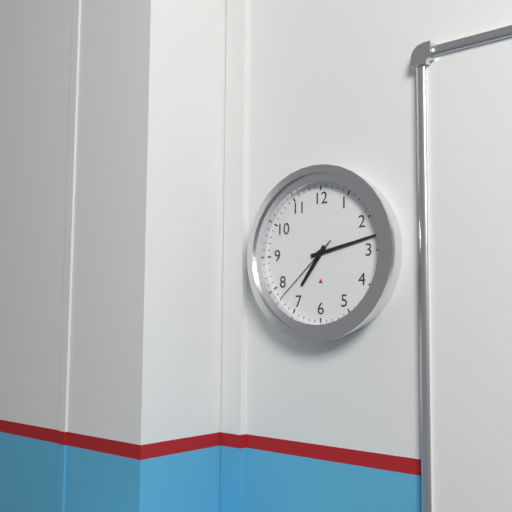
7h13m38s
